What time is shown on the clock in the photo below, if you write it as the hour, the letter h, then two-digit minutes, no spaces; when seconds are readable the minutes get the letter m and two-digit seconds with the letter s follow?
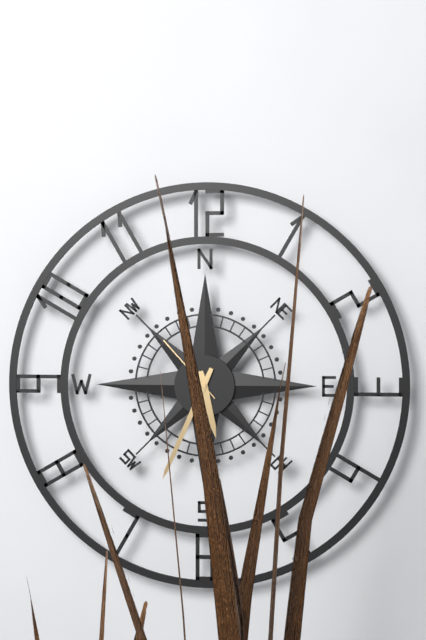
5h34m53s
